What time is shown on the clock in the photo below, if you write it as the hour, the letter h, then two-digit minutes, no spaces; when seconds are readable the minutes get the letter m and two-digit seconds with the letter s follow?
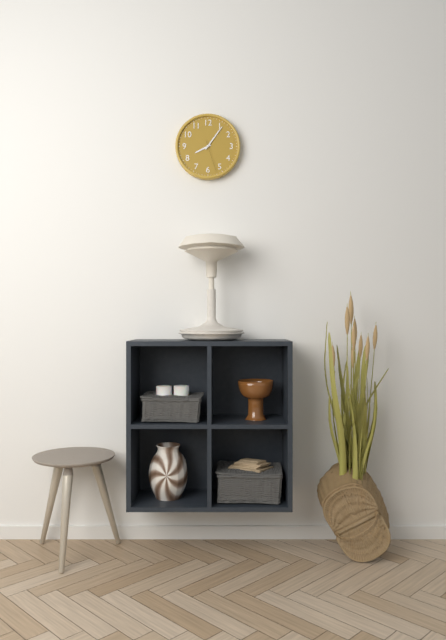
8h06
